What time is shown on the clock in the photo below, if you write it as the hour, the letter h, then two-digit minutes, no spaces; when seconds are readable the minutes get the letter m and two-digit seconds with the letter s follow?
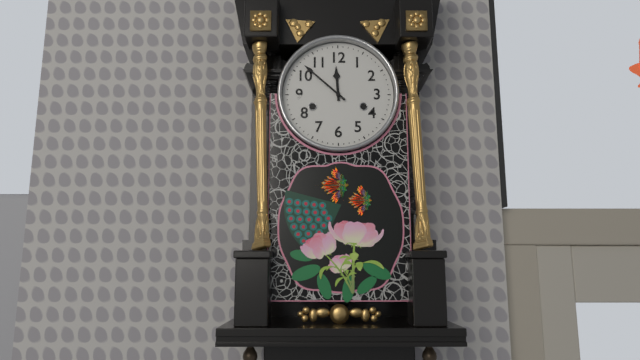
11h52
